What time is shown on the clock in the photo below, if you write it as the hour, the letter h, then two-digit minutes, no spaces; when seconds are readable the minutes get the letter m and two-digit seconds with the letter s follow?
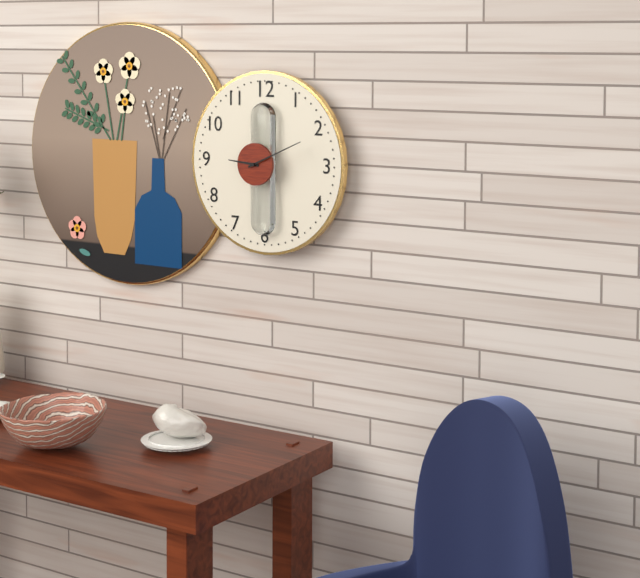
9h11
